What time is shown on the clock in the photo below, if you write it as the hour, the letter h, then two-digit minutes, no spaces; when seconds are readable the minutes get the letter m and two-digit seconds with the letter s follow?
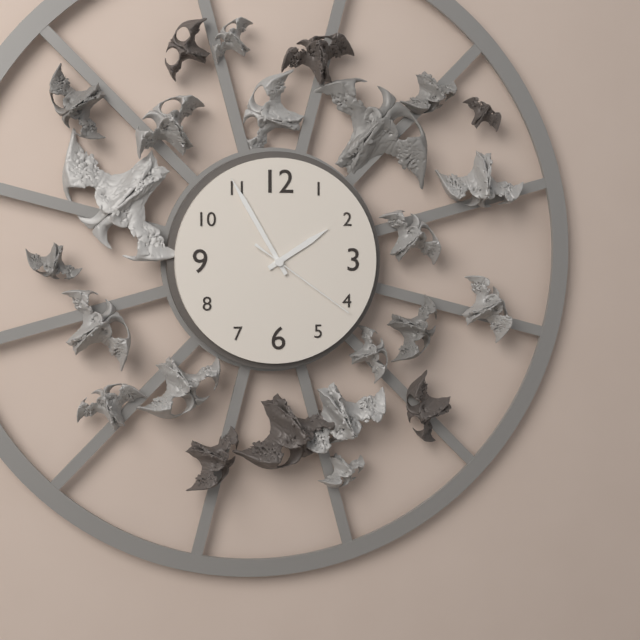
1h55m21s
